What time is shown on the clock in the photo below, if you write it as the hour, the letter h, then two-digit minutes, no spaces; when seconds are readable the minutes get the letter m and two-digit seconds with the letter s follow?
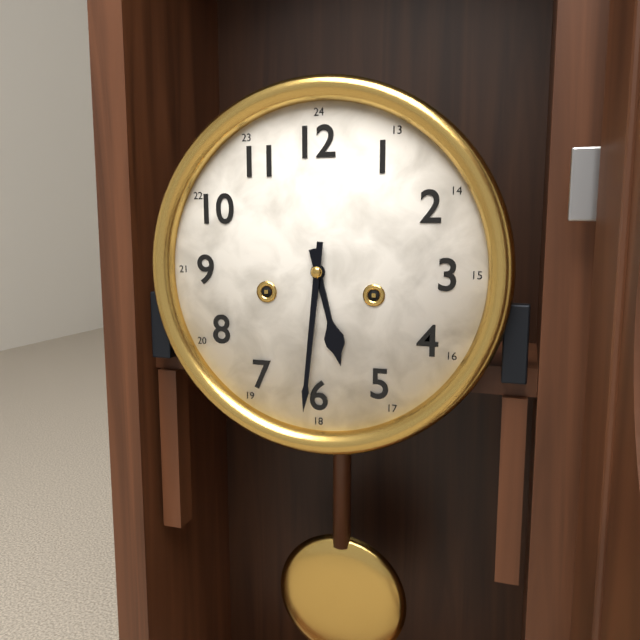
5h31
